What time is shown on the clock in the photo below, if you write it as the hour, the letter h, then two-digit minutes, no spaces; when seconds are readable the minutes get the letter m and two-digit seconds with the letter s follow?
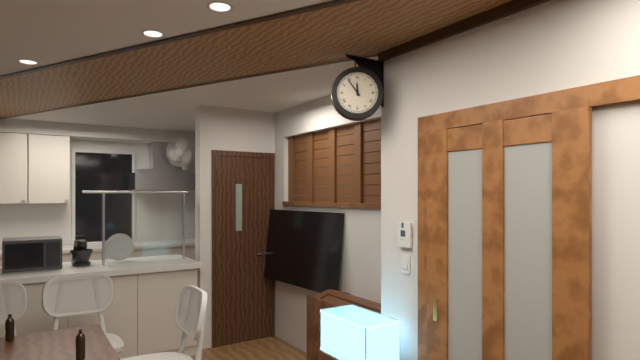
11h54
